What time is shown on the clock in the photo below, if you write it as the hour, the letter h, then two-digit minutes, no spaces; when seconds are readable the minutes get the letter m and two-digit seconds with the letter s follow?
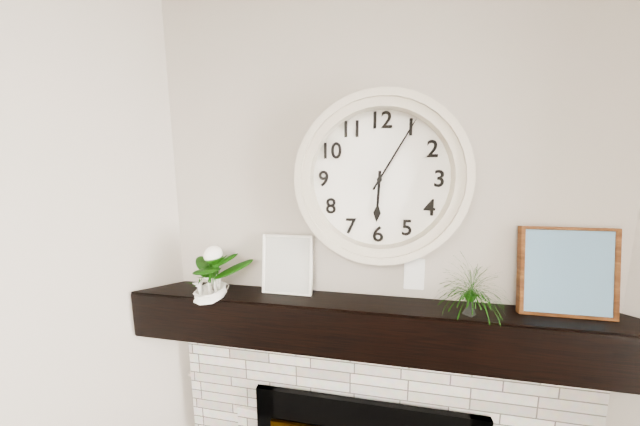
6h05
